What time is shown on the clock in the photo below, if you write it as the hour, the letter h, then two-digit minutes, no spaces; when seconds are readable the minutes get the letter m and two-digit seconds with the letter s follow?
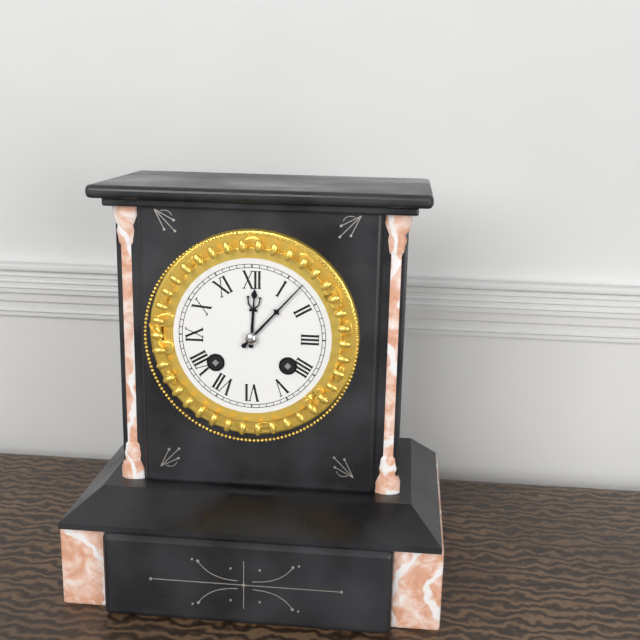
12h07
